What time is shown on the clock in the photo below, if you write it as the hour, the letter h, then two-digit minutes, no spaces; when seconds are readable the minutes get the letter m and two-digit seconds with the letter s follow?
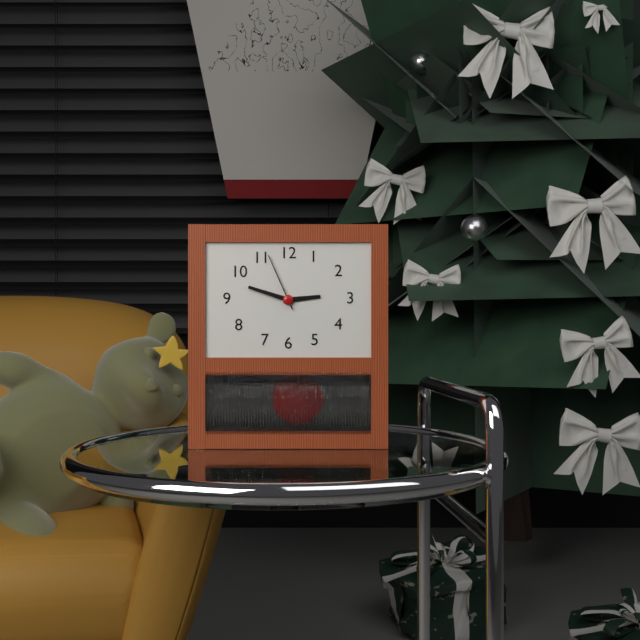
2h48m56s
